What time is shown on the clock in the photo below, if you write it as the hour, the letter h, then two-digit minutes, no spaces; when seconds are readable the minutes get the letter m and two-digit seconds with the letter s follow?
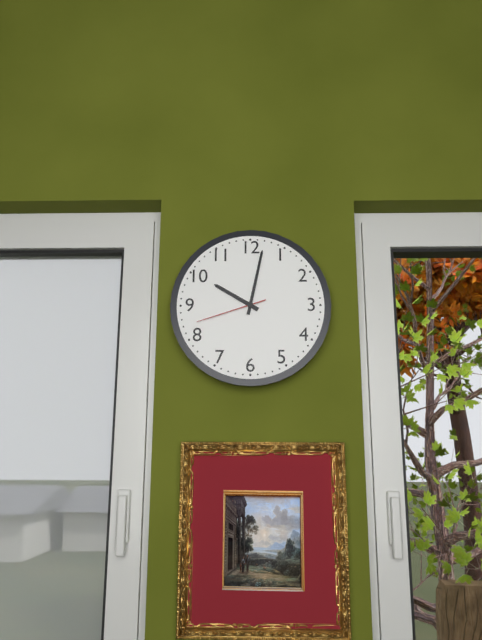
10h02m42s
